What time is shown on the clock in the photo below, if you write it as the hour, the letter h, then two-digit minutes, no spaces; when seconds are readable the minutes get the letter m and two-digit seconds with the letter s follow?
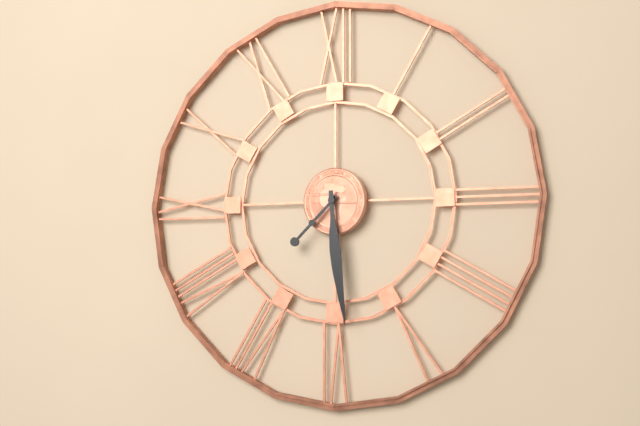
7h29
